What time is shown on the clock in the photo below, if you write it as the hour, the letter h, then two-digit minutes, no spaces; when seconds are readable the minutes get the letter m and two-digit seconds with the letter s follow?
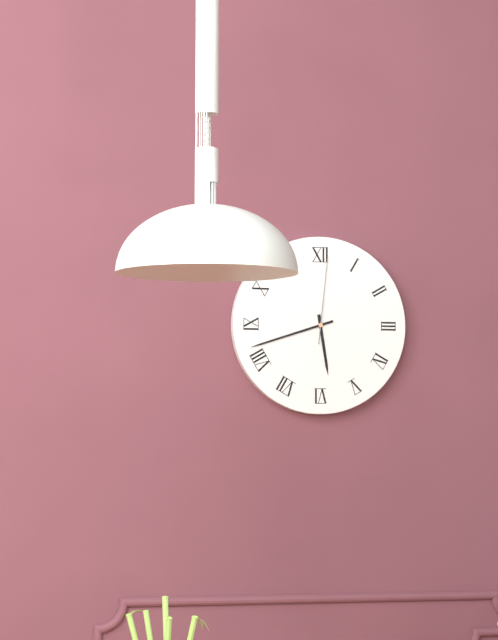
5h42m01s
